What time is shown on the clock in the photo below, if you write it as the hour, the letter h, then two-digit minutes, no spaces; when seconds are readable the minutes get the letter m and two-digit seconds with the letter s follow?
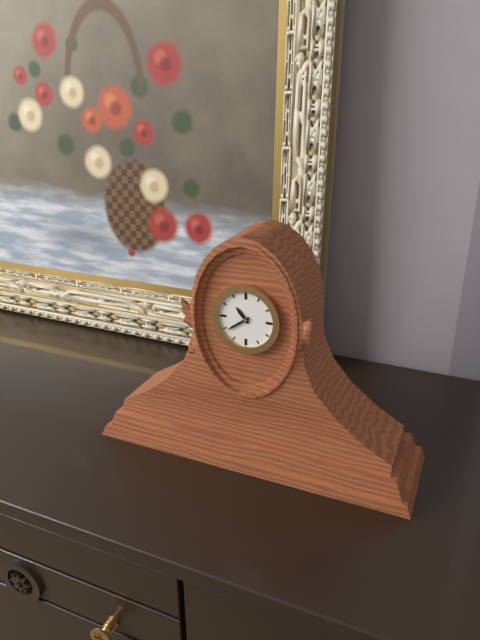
10h39
